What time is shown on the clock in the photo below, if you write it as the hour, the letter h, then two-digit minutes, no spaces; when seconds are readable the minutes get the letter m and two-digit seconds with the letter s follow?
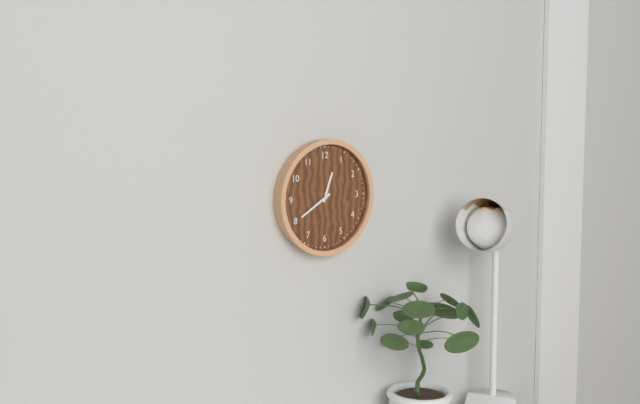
12h40
